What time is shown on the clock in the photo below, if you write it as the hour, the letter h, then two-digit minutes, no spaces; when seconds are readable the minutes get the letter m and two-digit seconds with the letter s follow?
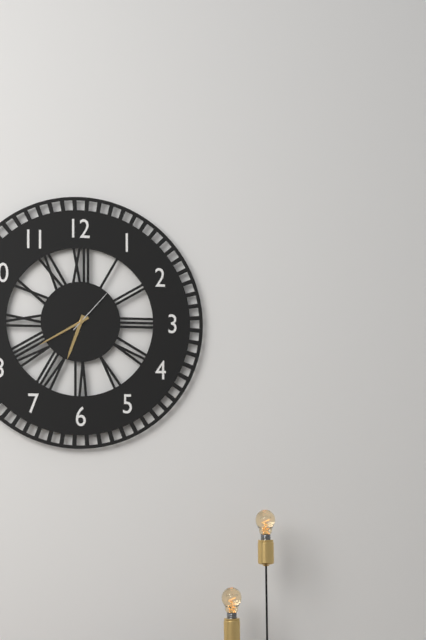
6h40m07s
